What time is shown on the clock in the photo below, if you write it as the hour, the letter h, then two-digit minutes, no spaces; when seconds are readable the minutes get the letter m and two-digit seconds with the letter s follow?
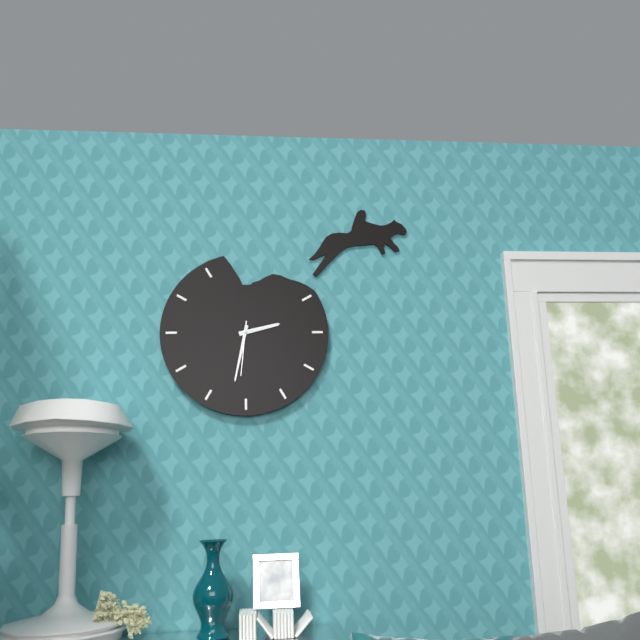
2h32m31s
